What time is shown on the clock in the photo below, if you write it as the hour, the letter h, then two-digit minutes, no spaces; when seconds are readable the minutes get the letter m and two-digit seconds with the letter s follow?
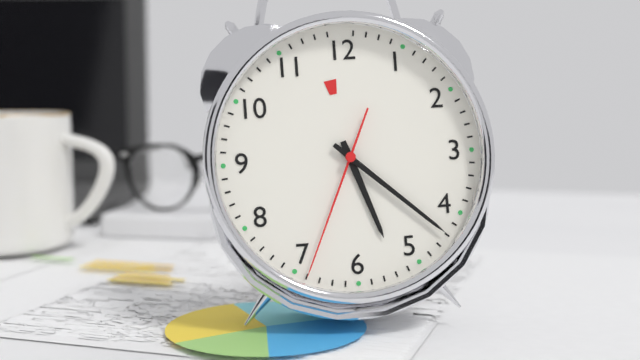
5h22m34s
